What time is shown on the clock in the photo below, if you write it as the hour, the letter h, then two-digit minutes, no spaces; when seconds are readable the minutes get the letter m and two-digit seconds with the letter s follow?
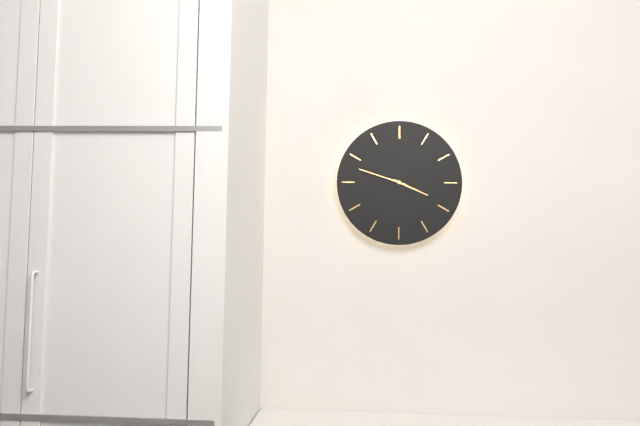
3h48
